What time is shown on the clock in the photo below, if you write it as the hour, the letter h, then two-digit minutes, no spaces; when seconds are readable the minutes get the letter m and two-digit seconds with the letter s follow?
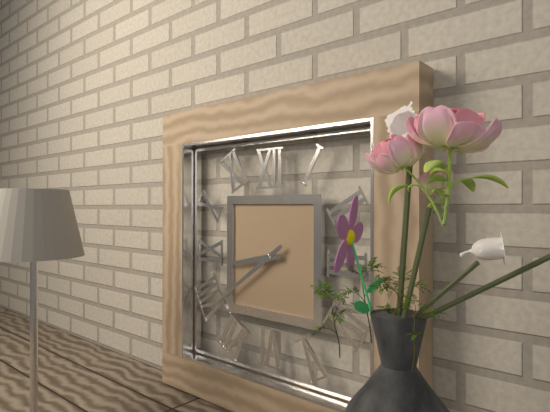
8h39
